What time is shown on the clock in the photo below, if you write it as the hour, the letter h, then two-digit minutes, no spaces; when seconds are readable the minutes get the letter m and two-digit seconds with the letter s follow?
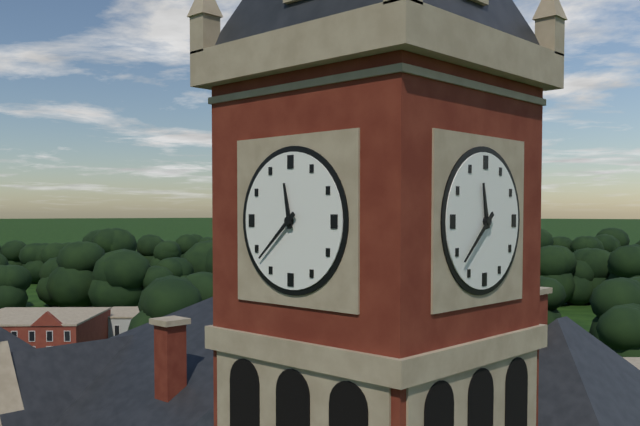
11h38
